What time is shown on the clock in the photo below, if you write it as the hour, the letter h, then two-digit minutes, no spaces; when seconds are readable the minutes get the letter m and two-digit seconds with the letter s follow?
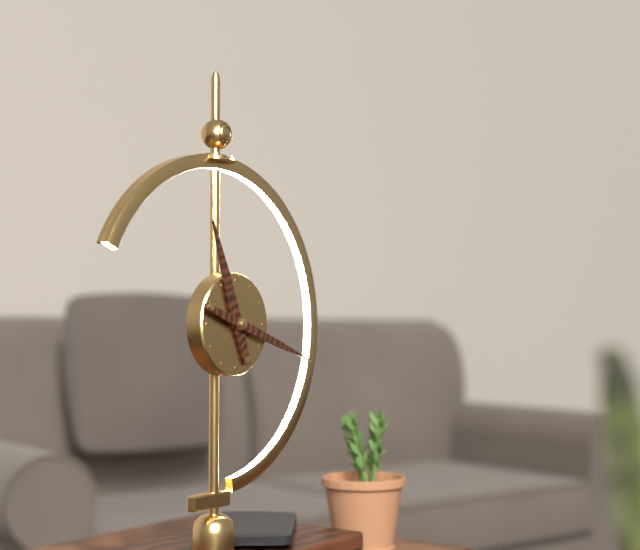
11h18
